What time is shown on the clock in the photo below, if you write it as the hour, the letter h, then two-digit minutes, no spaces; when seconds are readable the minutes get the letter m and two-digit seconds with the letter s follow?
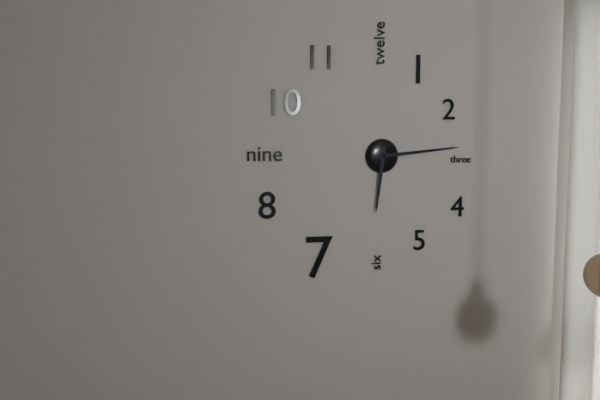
6h14
